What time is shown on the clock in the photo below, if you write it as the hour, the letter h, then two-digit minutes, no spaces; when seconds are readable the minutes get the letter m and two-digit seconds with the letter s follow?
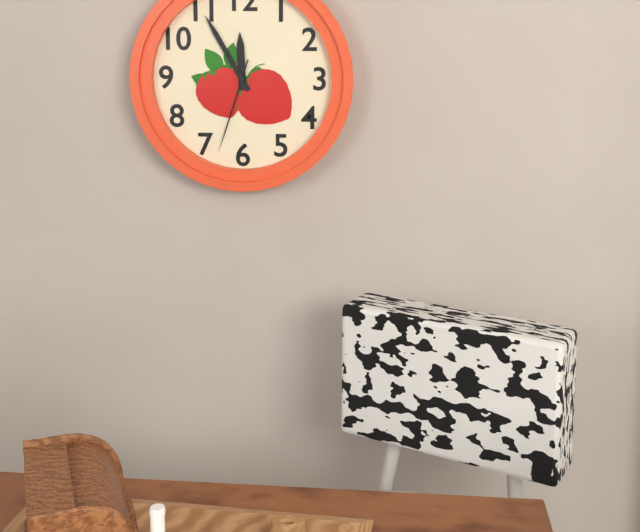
11h55m33s
